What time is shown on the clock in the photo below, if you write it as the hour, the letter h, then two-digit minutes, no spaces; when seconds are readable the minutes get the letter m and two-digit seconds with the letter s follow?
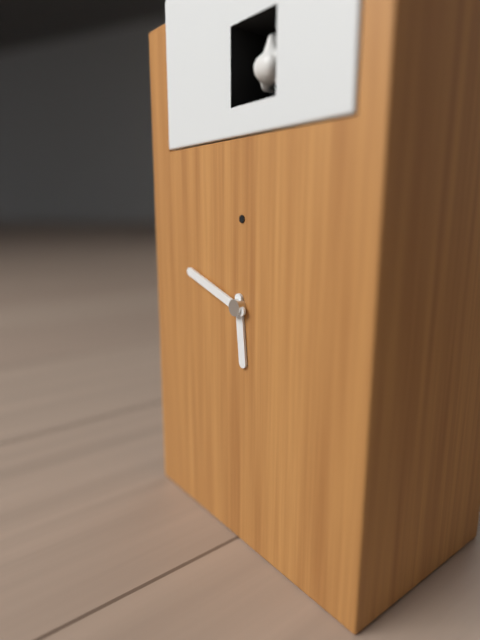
5h48
